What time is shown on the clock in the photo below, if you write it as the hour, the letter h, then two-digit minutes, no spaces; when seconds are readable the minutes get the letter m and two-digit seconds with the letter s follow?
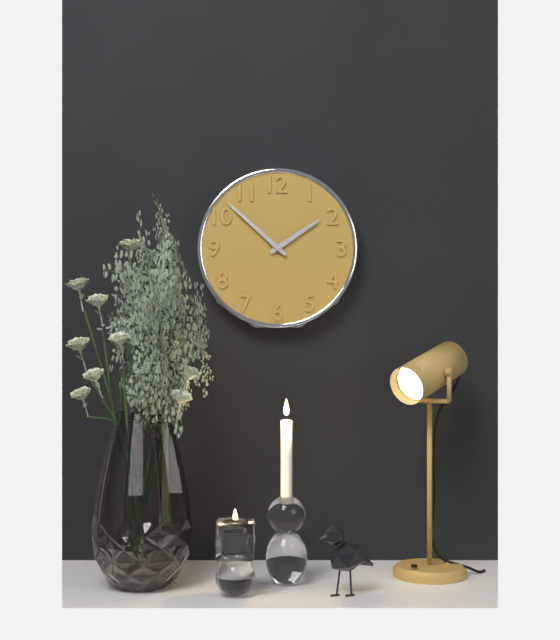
1h52
